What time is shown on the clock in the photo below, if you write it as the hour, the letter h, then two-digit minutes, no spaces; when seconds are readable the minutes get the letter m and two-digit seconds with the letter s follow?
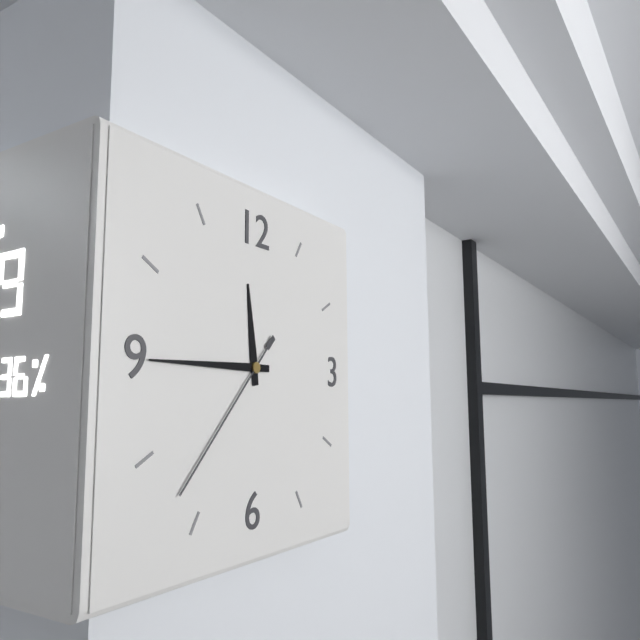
11h45m37s
